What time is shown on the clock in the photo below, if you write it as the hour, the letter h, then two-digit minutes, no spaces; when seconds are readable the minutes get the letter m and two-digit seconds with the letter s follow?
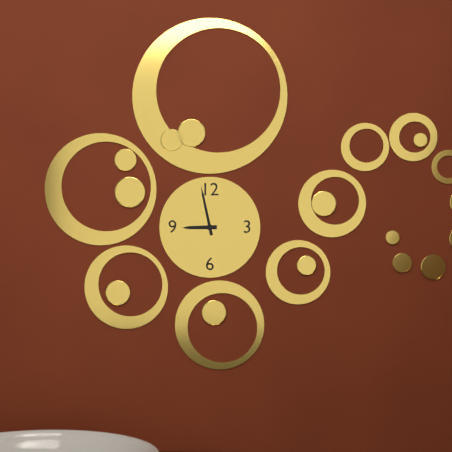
8h58
